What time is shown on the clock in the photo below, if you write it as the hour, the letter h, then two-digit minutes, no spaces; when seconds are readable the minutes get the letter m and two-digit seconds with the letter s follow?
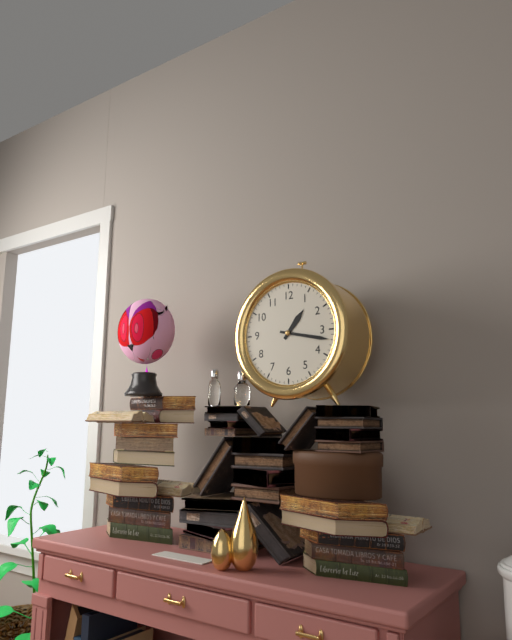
1h17
